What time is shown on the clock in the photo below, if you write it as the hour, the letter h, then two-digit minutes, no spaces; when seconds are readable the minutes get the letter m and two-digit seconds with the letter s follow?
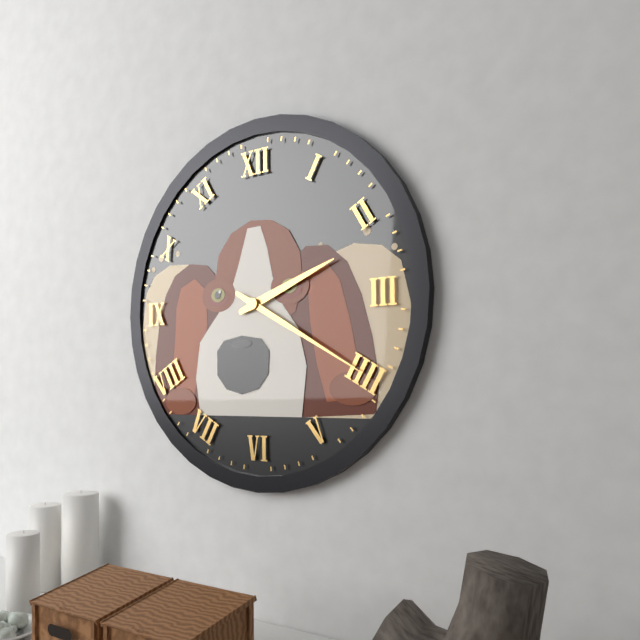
2h20
